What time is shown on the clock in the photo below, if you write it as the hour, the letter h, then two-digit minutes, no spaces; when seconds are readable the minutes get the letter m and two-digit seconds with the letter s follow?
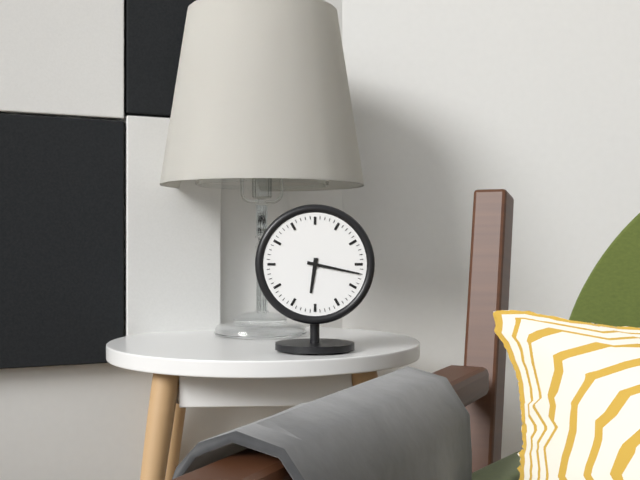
6h17
